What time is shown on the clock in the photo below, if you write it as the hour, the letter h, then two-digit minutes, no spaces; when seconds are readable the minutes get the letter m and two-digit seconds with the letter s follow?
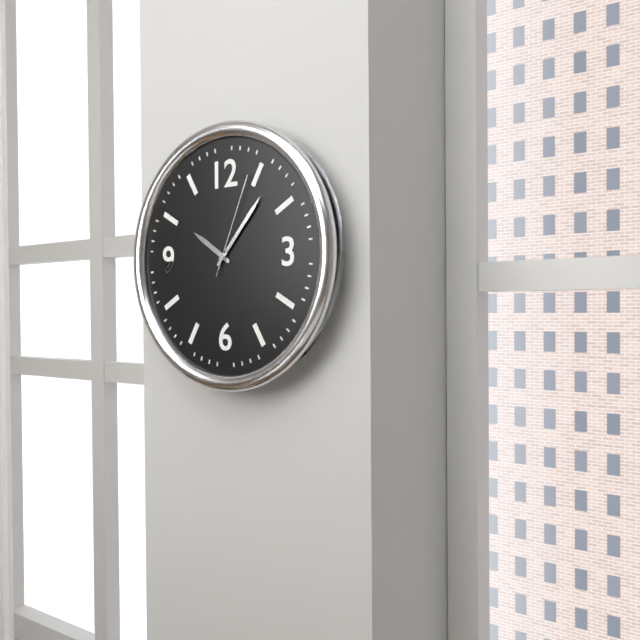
10h07m04s
